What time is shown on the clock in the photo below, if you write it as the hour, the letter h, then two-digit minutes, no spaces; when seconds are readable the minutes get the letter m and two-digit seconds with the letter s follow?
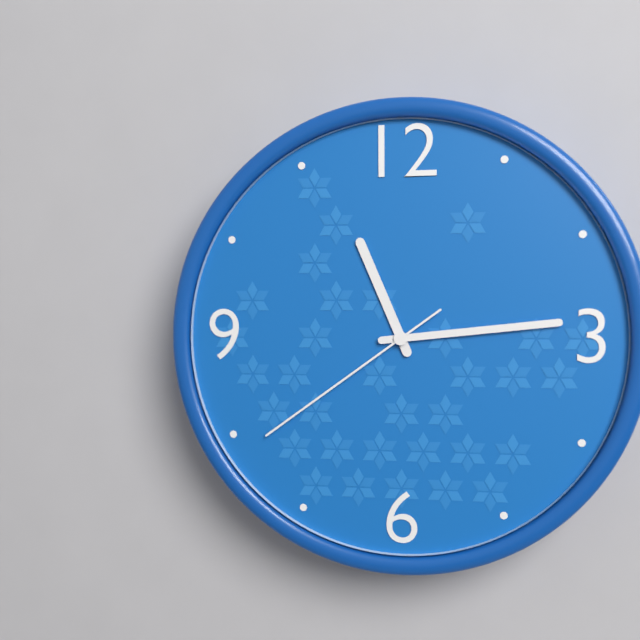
11h14m39s
